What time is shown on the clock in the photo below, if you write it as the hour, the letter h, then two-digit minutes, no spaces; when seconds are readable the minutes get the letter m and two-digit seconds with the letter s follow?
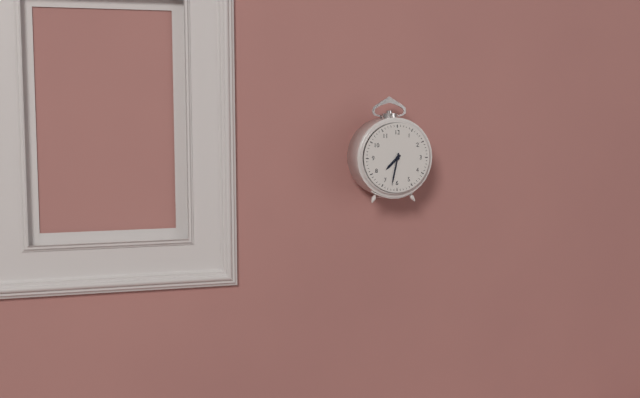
7h32
